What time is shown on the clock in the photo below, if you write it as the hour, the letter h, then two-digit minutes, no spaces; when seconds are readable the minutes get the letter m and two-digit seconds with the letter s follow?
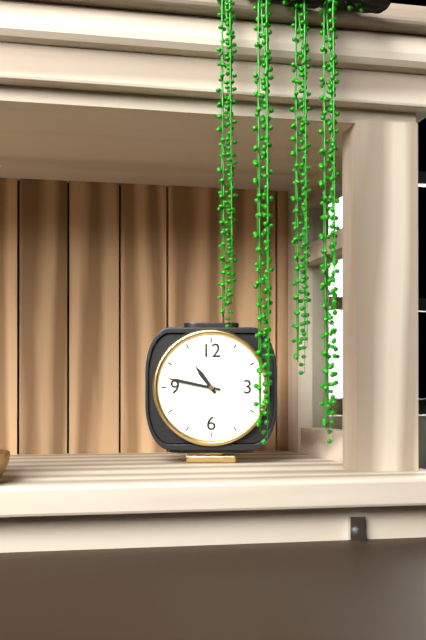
10h47
